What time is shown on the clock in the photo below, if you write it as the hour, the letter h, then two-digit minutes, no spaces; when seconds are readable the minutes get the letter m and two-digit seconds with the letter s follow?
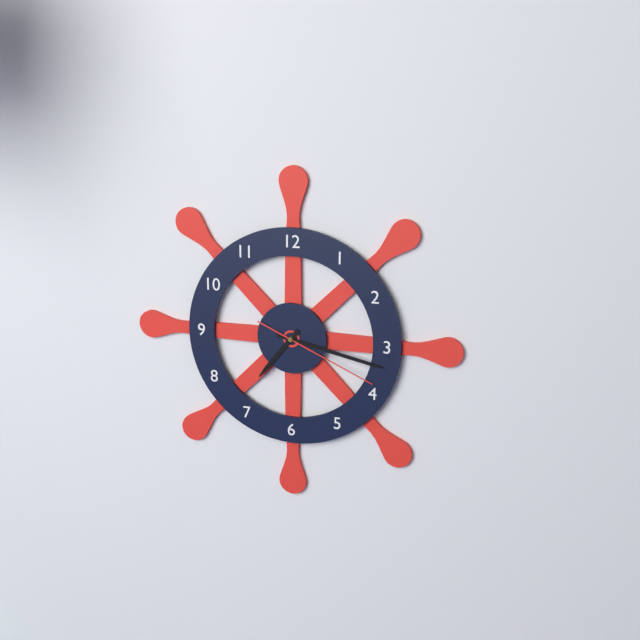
7h17m19s
